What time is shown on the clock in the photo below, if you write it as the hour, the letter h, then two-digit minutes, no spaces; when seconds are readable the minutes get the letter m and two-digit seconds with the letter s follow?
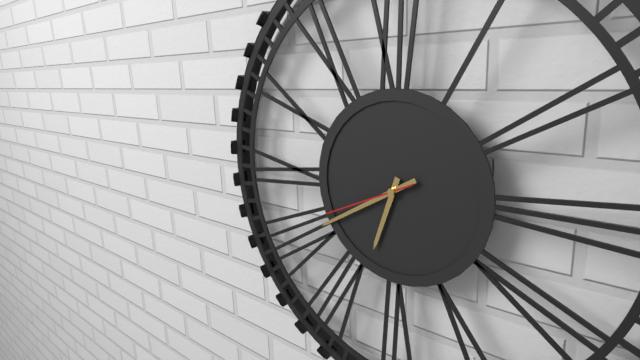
6h40m41s
